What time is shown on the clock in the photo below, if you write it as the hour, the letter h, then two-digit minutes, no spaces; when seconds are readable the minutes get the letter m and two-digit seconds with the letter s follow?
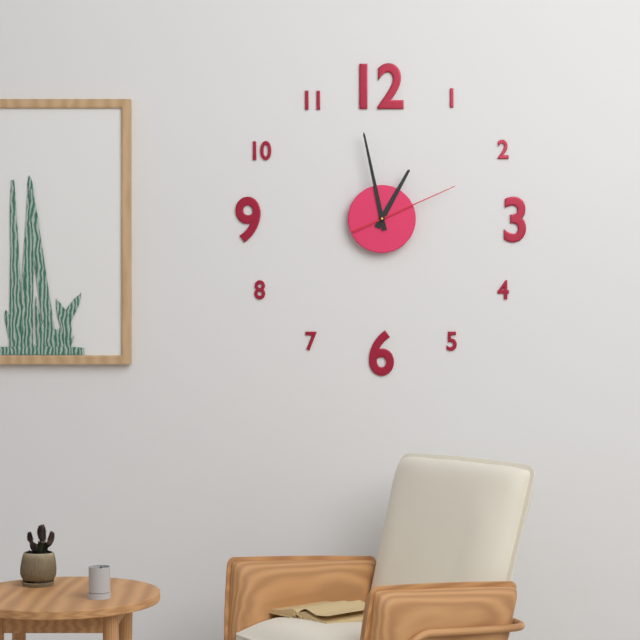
12h58m11s
